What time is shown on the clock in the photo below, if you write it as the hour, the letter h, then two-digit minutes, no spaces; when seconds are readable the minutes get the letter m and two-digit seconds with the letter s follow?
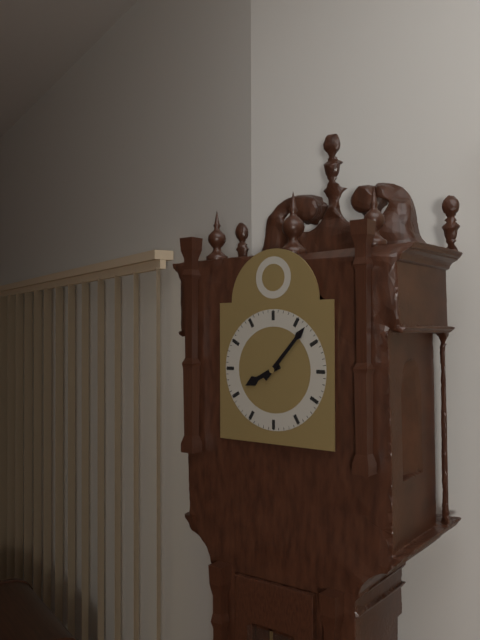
8h07
